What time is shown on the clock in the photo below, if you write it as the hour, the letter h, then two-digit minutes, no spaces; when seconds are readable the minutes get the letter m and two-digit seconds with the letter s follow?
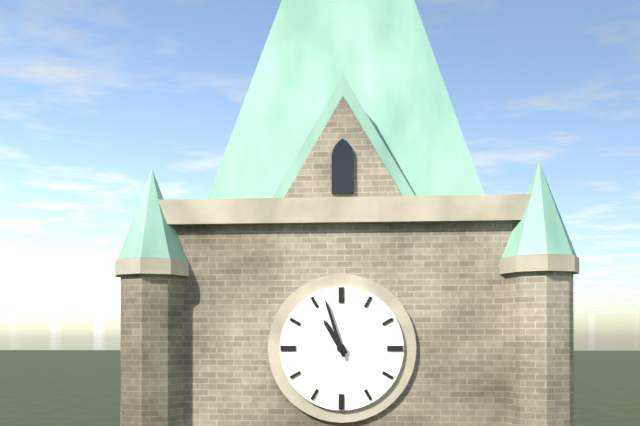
10h57
